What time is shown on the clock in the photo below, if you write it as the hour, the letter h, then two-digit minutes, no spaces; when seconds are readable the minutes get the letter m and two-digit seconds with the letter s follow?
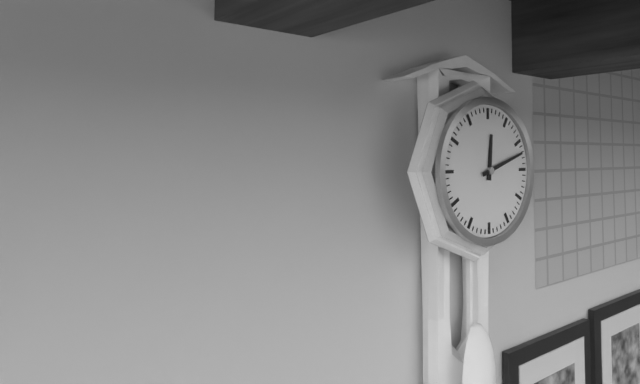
12h12
